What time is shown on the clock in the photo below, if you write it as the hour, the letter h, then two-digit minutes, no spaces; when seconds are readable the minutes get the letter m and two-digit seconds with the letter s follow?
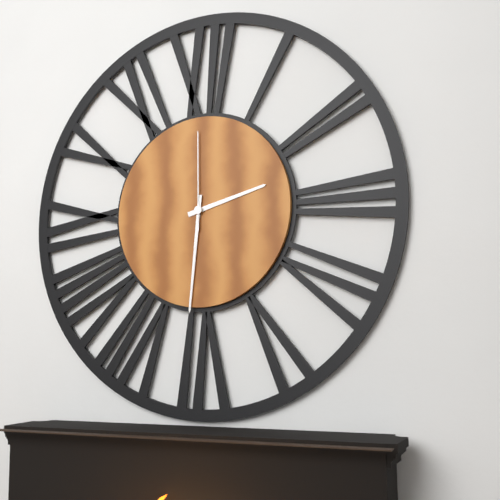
2h31m00s
